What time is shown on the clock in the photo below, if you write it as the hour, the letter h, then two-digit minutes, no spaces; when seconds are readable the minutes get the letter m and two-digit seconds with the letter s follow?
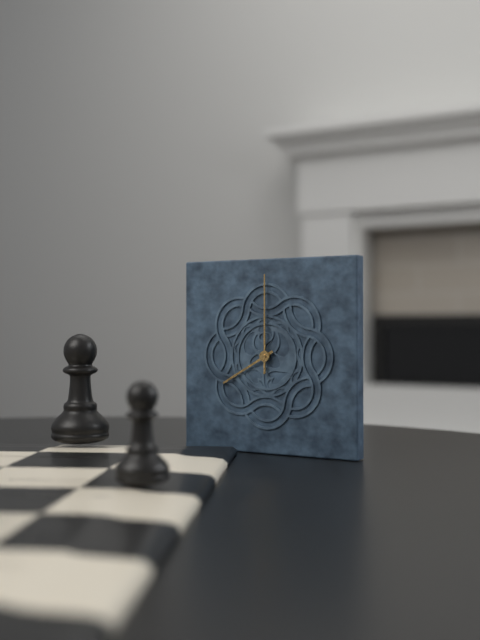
8h00
